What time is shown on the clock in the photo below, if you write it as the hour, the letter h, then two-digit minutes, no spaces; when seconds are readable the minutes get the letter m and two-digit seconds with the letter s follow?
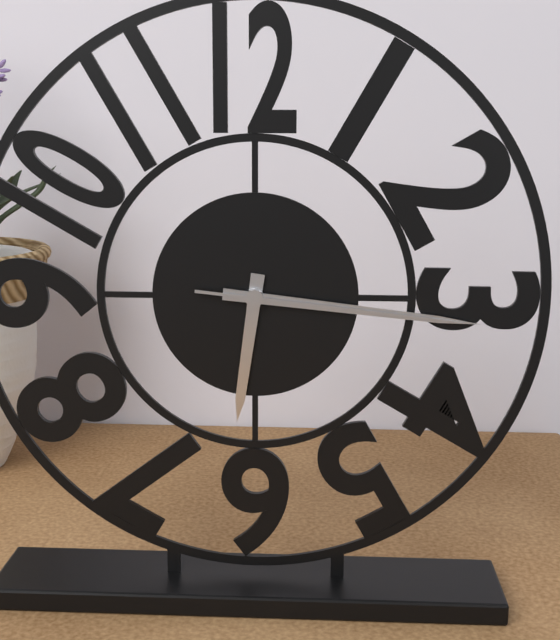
6h16m16s
